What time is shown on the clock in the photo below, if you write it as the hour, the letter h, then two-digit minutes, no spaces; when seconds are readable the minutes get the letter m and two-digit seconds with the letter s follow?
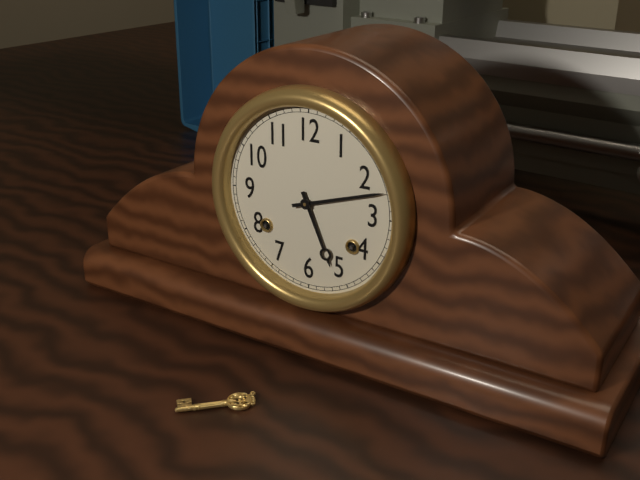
5h12
